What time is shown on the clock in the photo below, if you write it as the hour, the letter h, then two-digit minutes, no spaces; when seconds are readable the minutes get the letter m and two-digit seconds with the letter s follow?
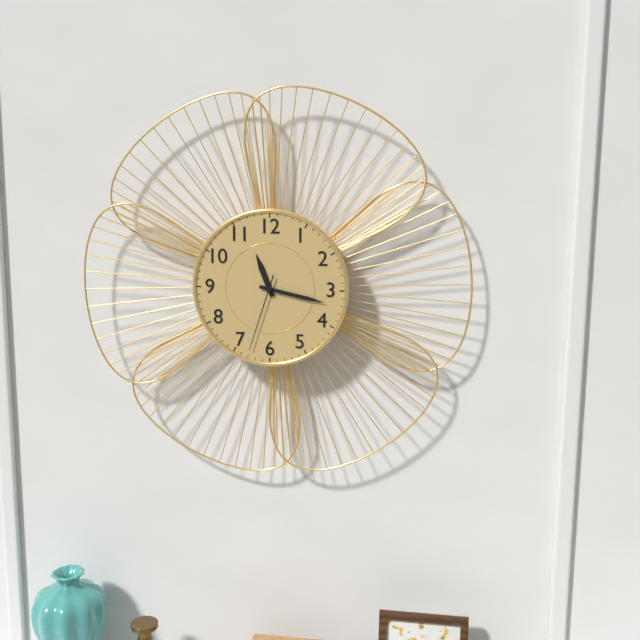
11h17m33s
